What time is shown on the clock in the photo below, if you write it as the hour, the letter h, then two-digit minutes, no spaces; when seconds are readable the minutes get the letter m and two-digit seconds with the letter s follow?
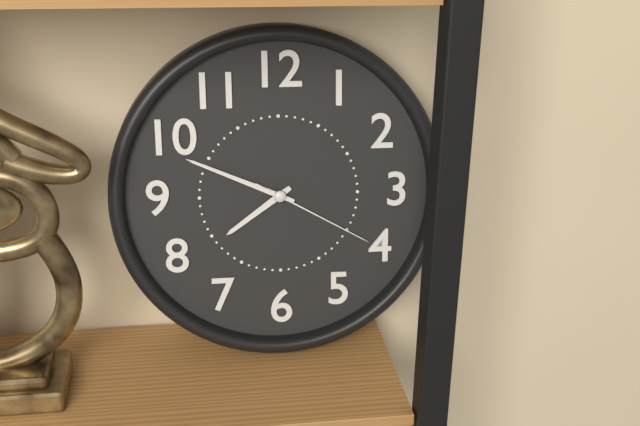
7h49m20s
